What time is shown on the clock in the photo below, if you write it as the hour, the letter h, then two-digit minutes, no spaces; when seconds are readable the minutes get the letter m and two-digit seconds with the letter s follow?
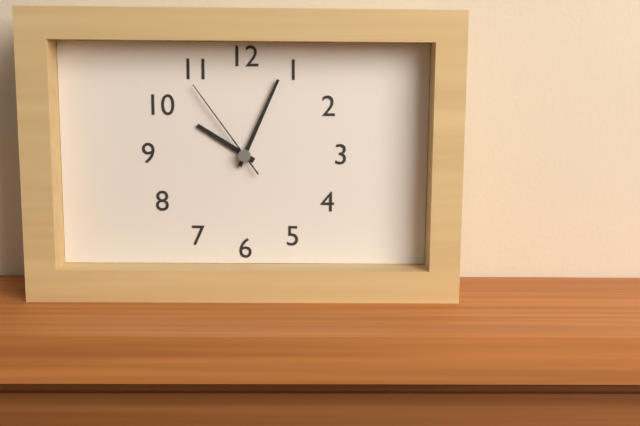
10h04m54s
